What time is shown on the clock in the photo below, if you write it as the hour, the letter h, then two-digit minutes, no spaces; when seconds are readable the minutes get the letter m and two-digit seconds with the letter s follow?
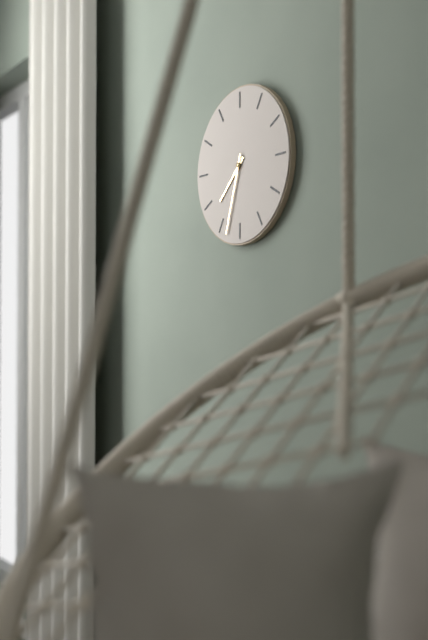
7h33
